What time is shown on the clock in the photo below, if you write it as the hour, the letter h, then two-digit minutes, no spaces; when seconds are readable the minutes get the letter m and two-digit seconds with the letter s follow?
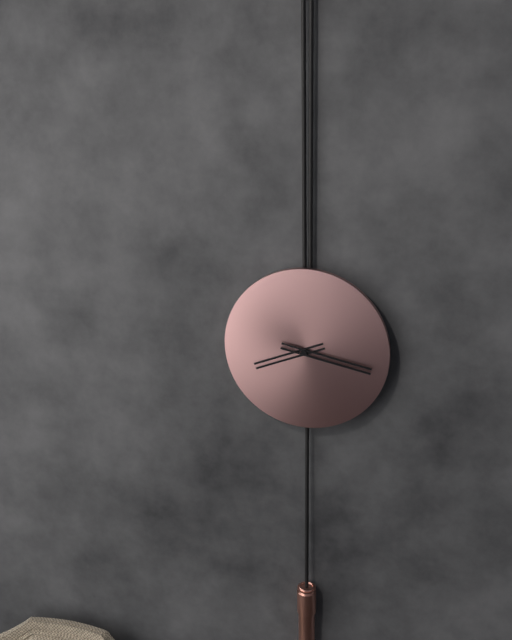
8h17
